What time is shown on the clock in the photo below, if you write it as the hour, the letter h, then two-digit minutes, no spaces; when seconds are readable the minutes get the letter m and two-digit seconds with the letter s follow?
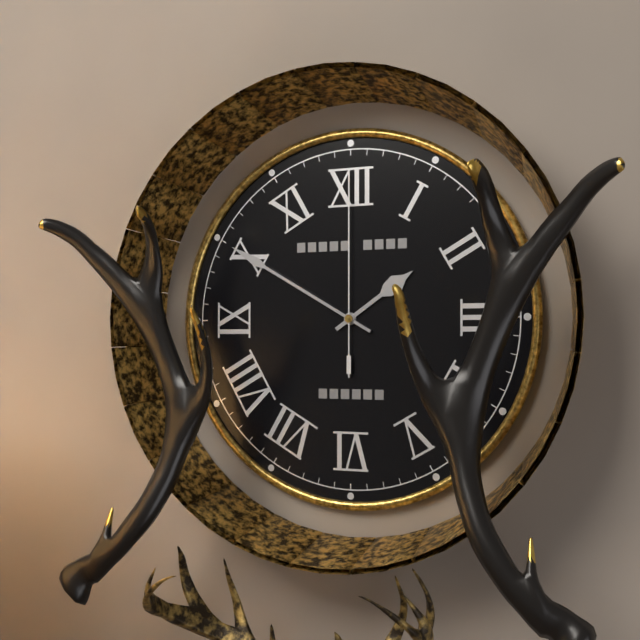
1h50m00s
